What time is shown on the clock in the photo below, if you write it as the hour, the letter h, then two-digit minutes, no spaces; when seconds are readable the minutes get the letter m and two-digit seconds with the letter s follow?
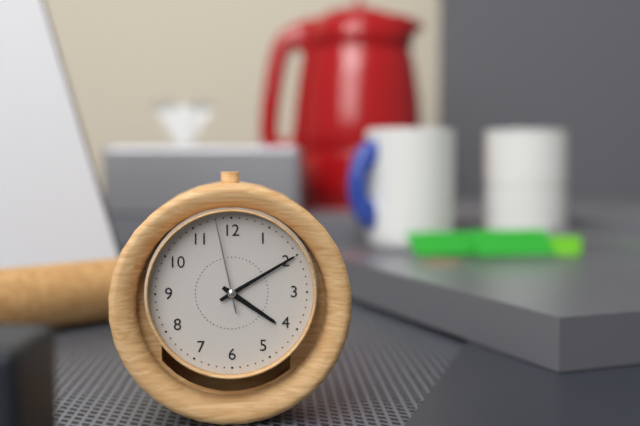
4h10m58s
